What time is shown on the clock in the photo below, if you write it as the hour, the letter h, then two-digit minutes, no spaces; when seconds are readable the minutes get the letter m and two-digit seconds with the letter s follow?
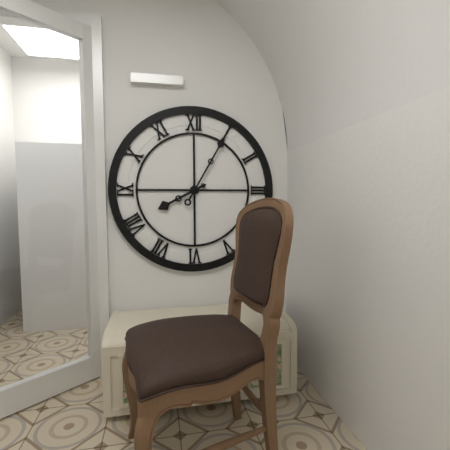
8h05
